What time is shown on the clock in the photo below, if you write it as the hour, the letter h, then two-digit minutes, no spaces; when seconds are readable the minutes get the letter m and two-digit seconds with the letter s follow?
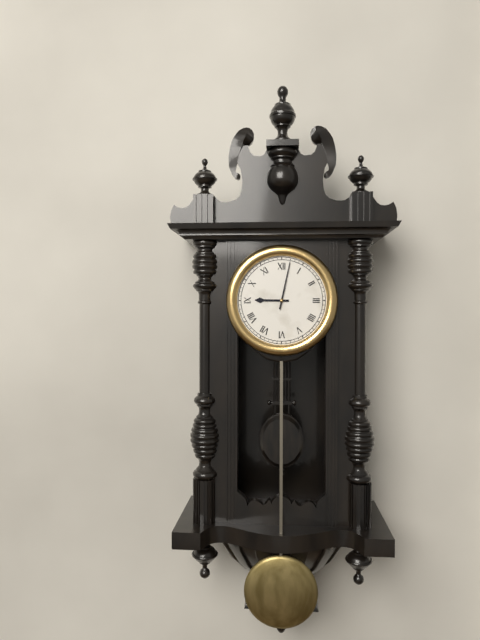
9h02
